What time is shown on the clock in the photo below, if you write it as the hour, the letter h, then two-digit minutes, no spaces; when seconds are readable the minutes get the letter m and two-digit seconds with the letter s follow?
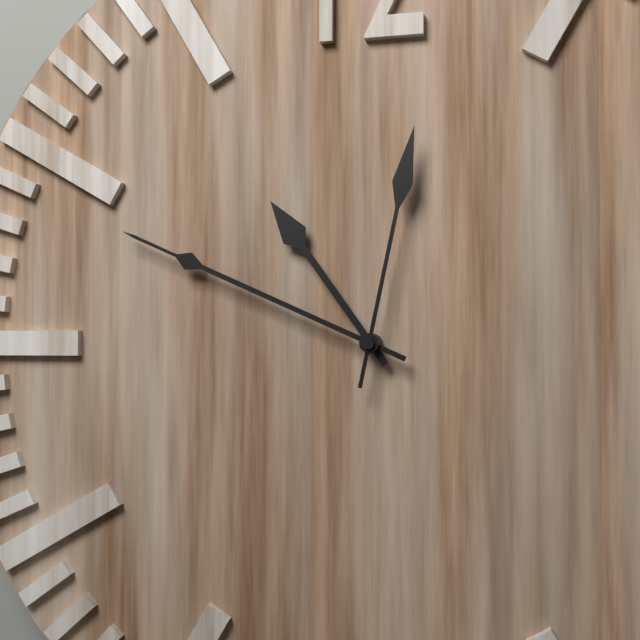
10h49m02s
